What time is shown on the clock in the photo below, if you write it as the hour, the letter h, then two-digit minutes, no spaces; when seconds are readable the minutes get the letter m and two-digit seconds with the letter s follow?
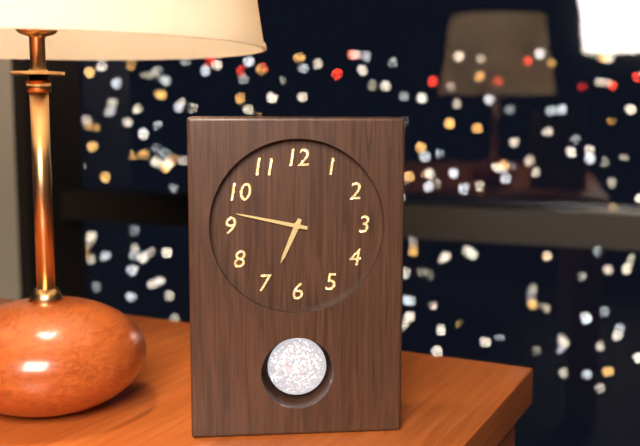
6h47
